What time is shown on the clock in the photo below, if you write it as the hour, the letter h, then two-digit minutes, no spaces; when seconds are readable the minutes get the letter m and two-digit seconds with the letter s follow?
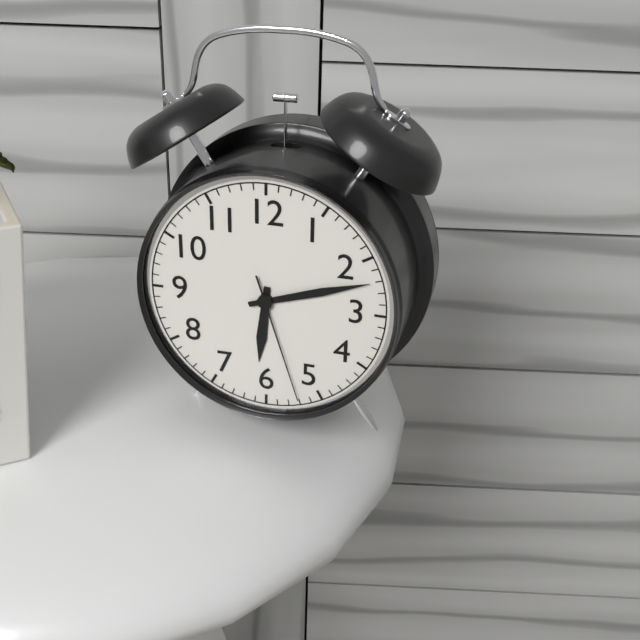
6h12m27s
